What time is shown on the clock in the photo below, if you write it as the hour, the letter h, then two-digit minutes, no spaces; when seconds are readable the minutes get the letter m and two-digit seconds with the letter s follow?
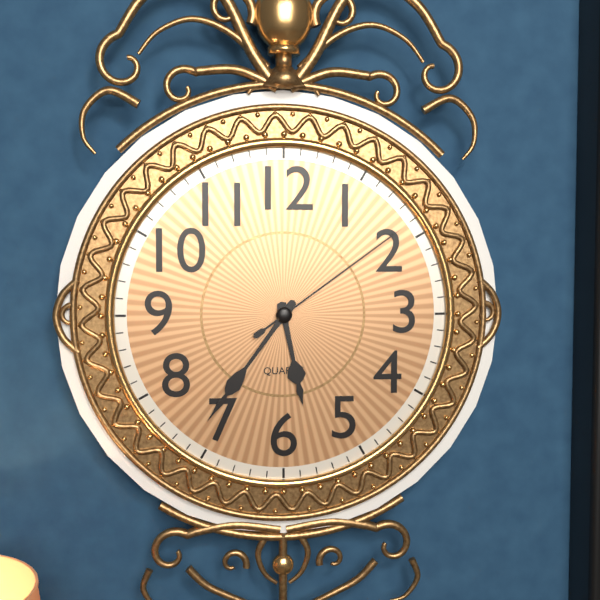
5h36m09s
